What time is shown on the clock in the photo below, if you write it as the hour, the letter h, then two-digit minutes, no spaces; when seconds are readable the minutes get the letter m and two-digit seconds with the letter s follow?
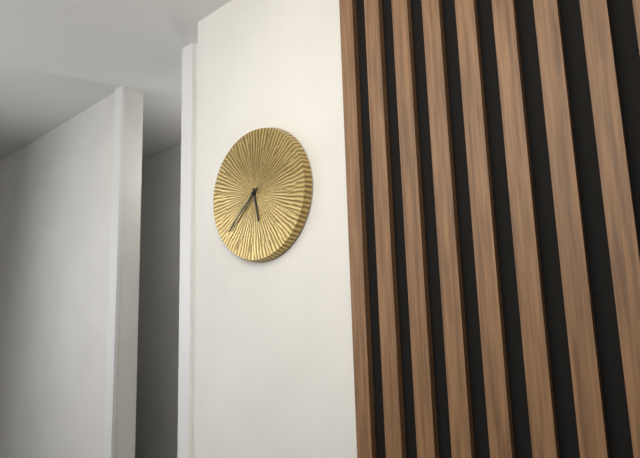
5h38
